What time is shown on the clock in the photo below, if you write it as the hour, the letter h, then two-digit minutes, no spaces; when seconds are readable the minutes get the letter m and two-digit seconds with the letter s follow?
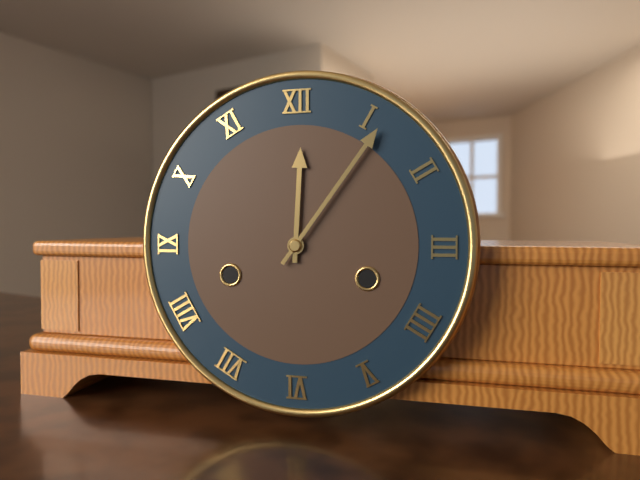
12h06
